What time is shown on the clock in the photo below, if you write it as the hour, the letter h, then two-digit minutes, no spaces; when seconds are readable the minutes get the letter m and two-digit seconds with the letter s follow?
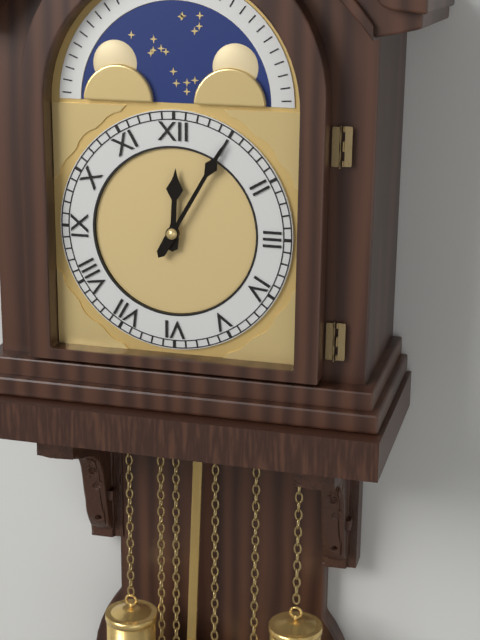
12h05
